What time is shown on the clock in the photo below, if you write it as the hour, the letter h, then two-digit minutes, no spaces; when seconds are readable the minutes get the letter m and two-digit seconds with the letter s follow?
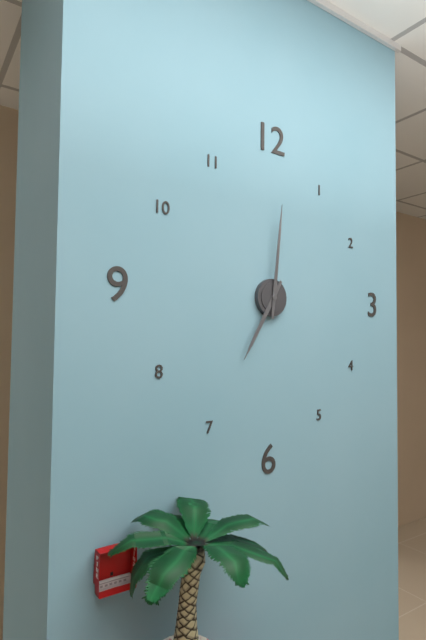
7h01
